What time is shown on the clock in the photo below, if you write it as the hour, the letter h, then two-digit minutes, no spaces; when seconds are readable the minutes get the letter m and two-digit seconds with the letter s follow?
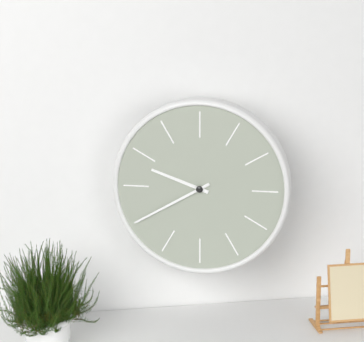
9h40
